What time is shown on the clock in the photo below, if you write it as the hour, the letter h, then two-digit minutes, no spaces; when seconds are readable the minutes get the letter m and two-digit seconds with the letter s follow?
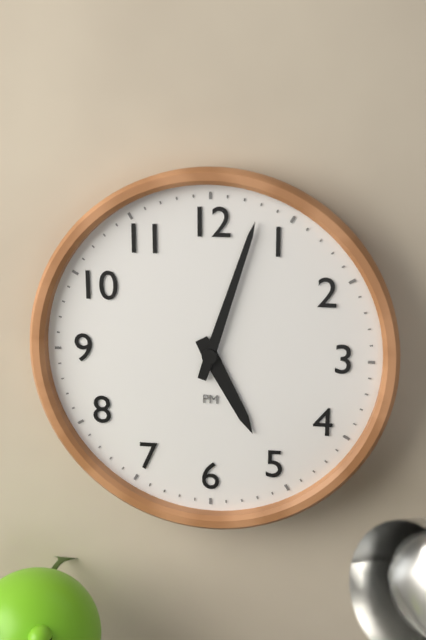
5h03
